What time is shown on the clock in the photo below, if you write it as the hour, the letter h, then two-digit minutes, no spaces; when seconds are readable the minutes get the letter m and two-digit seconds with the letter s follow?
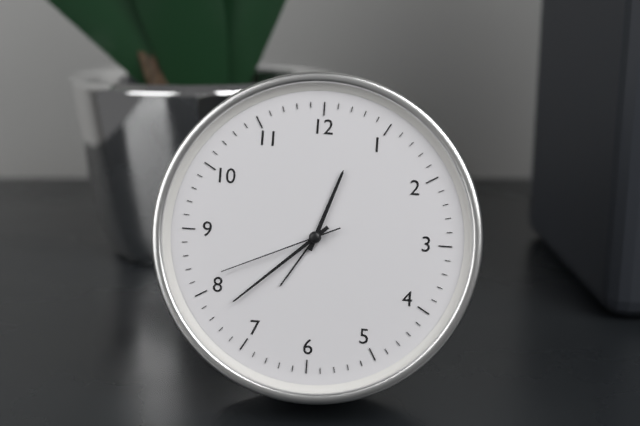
12h38m41s
